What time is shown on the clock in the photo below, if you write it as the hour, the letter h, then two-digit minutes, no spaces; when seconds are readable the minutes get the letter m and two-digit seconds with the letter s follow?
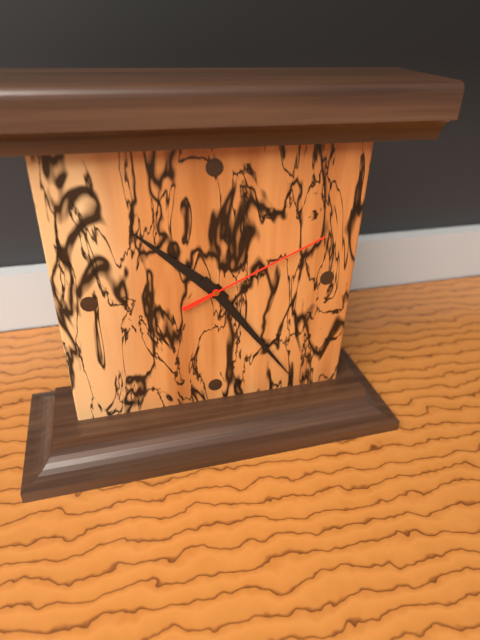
10h24m11s
